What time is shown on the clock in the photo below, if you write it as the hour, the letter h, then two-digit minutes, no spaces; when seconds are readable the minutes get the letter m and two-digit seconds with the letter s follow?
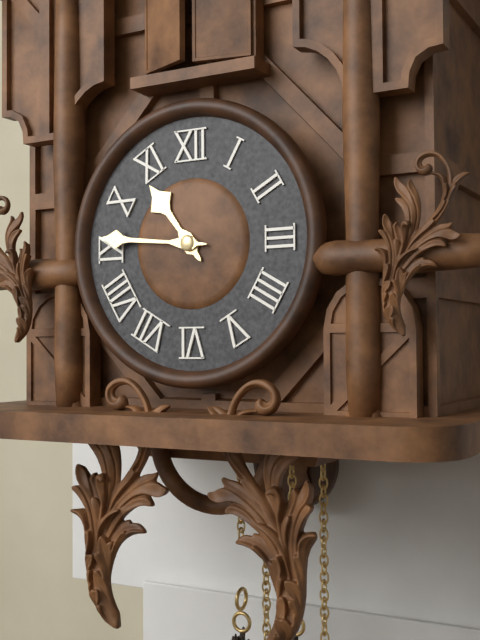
10h46
